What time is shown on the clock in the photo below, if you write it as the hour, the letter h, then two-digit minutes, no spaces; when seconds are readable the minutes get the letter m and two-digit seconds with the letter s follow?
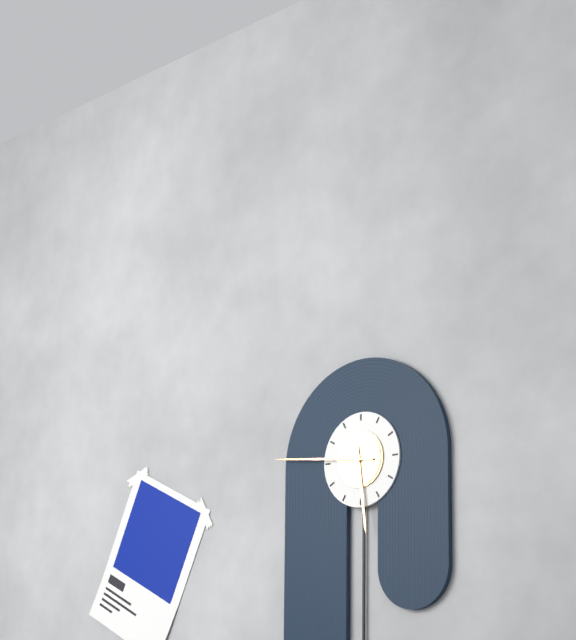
5h46
